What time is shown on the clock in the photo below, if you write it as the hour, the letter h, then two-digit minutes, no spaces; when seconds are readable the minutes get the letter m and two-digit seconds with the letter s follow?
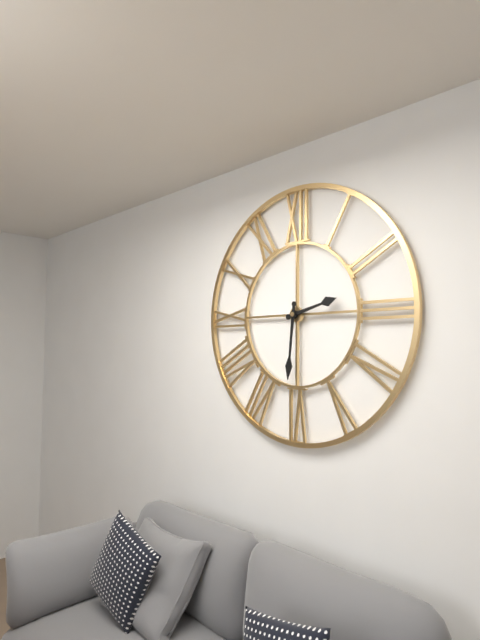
2h31
